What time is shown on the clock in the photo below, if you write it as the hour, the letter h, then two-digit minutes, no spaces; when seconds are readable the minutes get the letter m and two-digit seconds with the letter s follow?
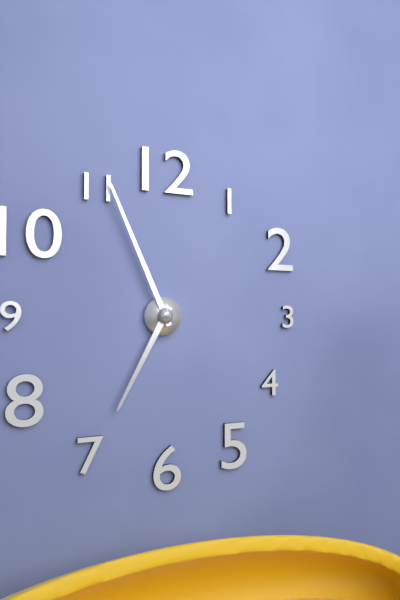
6h56
